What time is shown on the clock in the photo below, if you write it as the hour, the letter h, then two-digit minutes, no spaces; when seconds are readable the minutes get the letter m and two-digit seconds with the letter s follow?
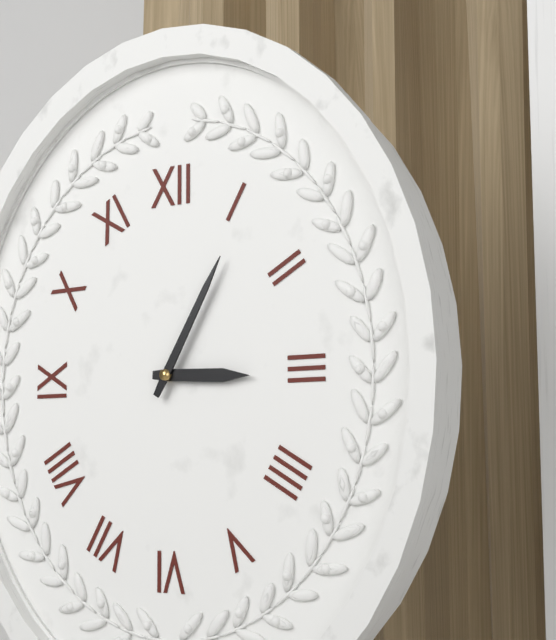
3h05
